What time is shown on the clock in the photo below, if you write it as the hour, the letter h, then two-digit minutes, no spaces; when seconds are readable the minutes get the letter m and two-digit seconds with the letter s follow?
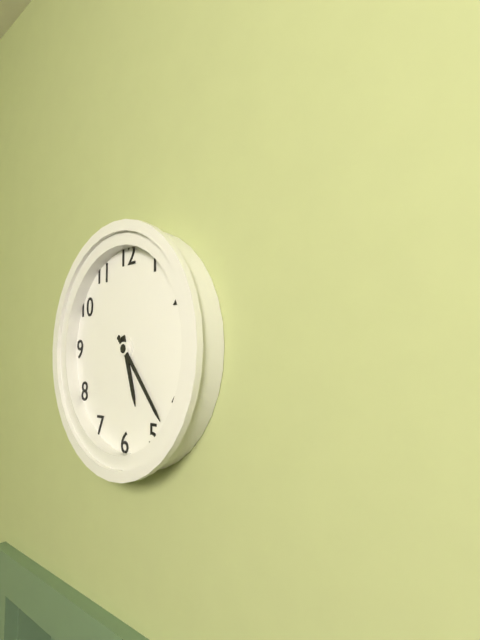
5h23
